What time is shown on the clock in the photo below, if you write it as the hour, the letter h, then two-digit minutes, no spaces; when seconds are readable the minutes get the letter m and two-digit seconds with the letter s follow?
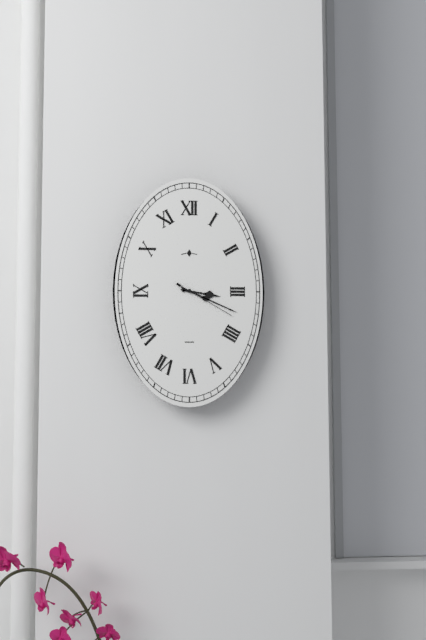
3h19m20s
